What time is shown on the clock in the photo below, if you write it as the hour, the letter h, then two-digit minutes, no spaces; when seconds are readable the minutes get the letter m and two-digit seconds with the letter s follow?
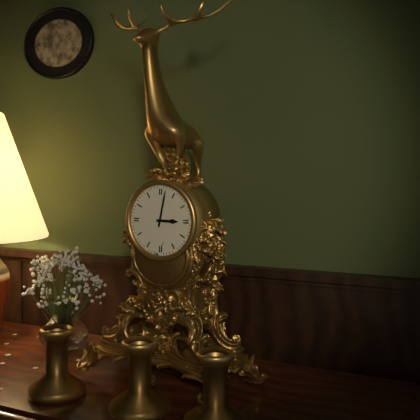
3h02
